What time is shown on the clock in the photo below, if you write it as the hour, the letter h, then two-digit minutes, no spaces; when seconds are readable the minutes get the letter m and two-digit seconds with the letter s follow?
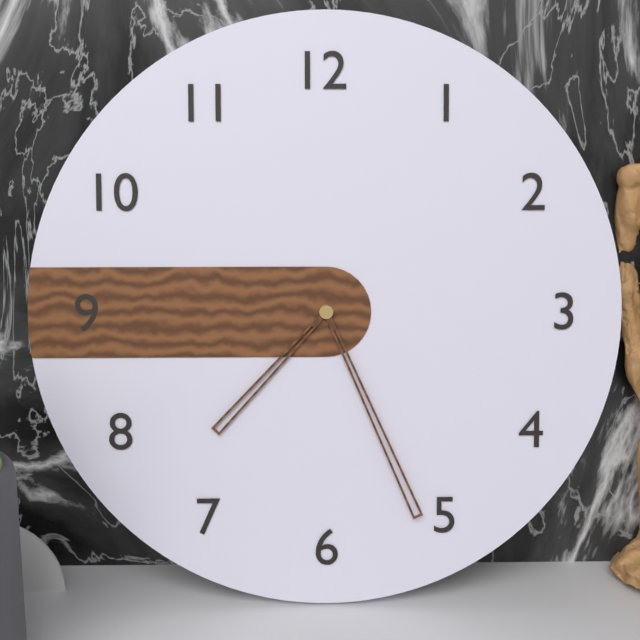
7h26
